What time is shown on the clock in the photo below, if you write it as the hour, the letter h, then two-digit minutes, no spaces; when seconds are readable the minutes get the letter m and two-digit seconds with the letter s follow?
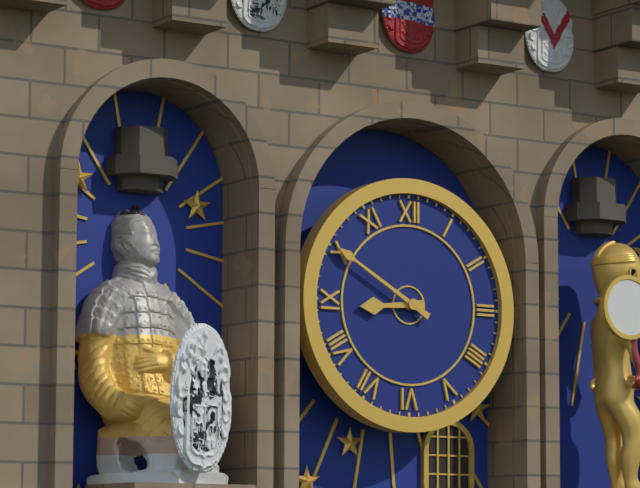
8h50
